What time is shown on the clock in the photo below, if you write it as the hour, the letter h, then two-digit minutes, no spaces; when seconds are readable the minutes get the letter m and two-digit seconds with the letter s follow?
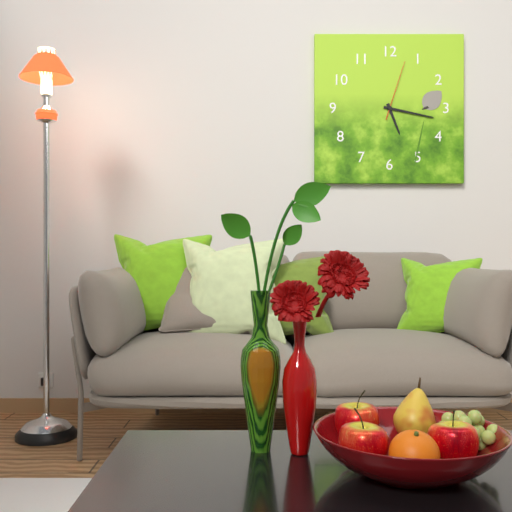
5h17m03s
